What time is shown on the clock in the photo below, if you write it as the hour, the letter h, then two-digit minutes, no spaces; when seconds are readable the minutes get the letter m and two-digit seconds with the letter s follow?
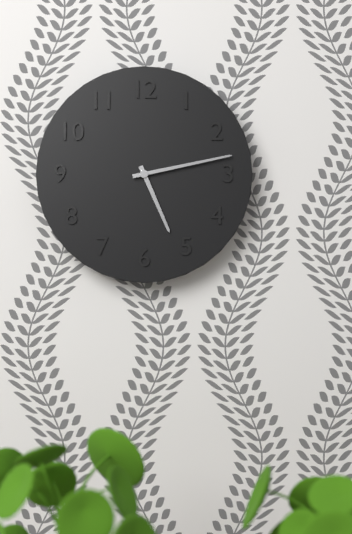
5h13
